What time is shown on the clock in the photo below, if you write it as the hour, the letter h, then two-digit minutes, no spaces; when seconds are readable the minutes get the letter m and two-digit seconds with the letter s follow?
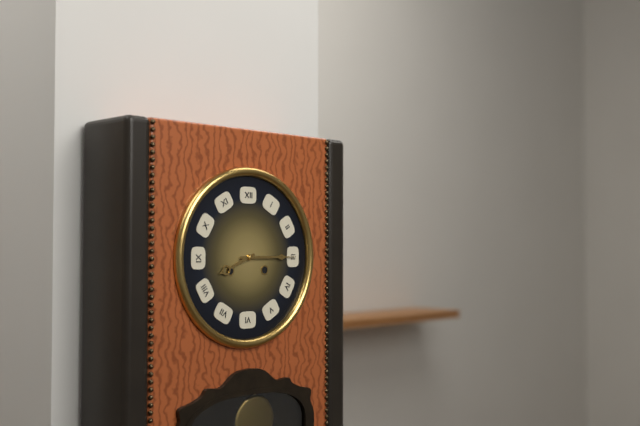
8h15
